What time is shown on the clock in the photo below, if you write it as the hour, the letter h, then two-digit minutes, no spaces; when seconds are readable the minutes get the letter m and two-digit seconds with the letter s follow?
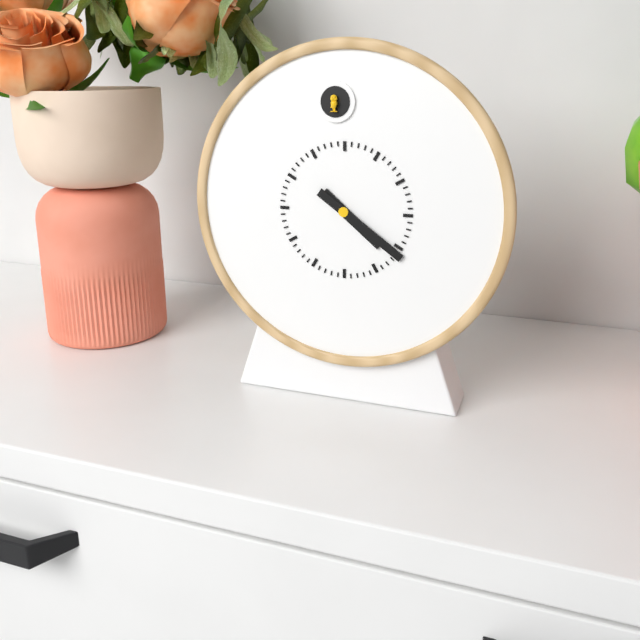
4h21
